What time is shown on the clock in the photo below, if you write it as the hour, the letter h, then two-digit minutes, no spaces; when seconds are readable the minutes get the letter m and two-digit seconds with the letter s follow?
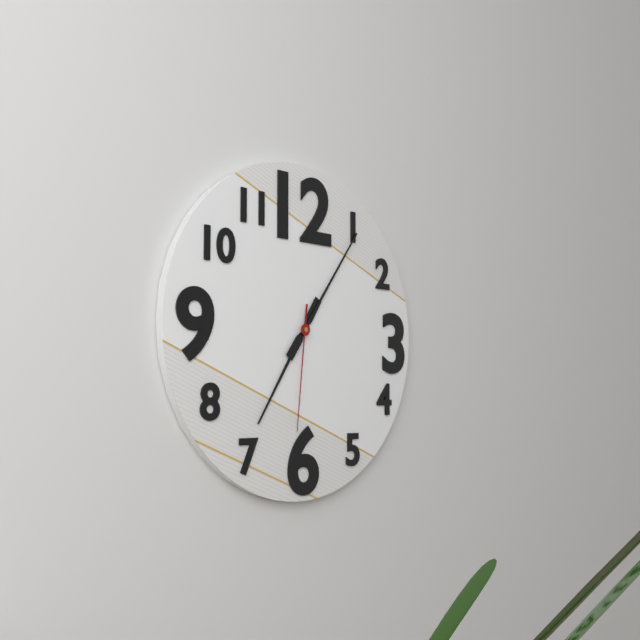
7h06m31s
